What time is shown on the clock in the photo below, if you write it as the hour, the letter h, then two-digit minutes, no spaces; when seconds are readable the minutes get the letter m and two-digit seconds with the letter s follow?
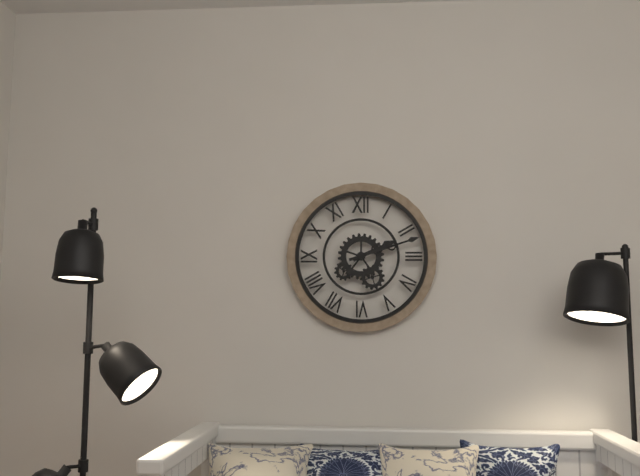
2h12
